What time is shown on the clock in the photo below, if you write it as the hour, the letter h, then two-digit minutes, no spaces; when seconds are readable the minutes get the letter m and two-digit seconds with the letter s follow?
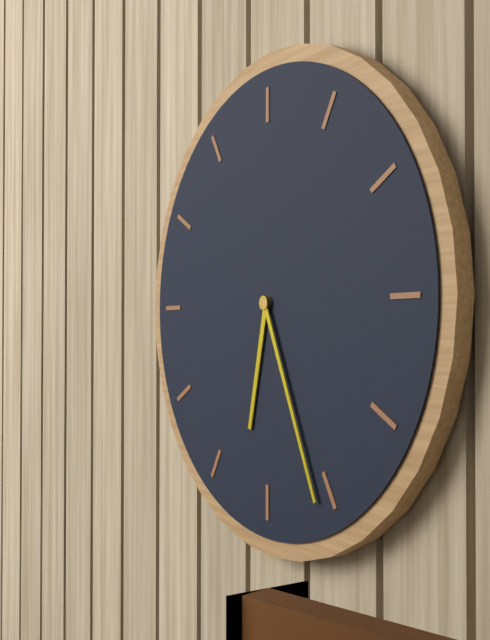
6h26
